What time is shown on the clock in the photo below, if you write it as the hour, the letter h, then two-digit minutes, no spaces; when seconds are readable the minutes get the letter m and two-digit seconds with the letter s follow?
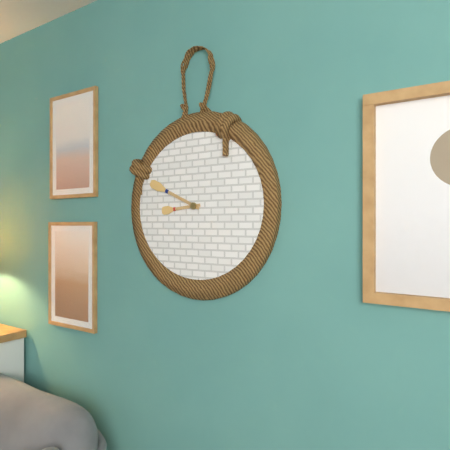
8h49
